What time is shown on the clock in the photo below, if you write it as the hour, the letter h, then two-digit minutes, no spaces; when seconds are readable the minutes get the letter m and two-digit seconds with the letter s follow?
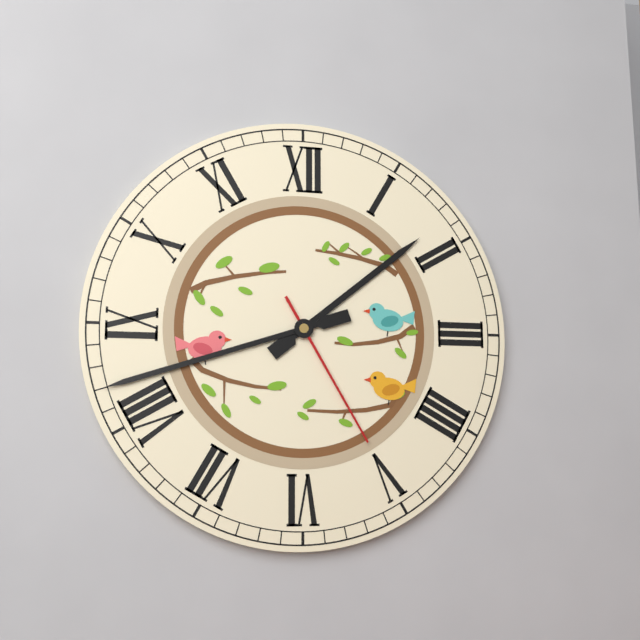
1h42m25s
